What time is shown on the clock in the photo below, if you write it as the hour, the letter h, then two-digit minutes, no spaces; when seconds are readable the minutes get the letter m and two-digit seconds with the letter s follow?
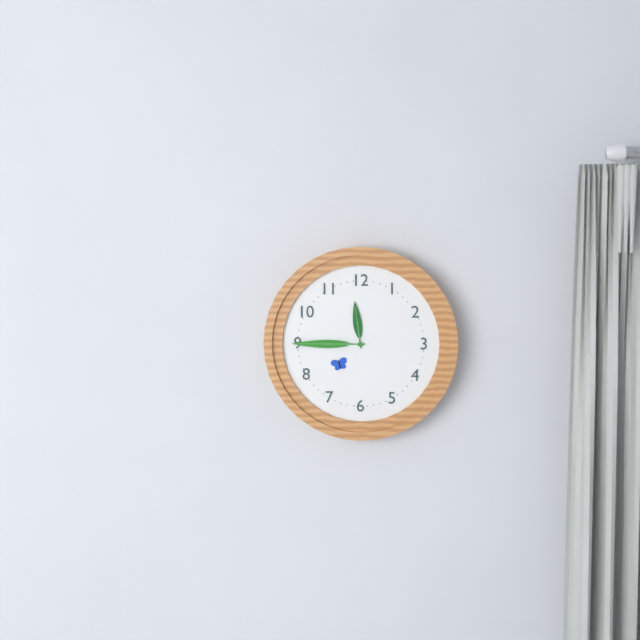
11h45
